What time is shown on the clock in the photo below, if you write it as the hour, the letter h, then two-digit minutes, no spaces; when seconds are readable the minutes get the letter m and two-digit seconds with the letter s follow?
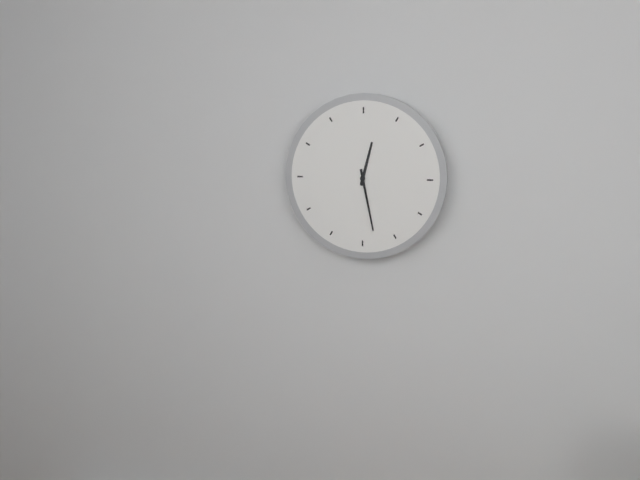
12h28
